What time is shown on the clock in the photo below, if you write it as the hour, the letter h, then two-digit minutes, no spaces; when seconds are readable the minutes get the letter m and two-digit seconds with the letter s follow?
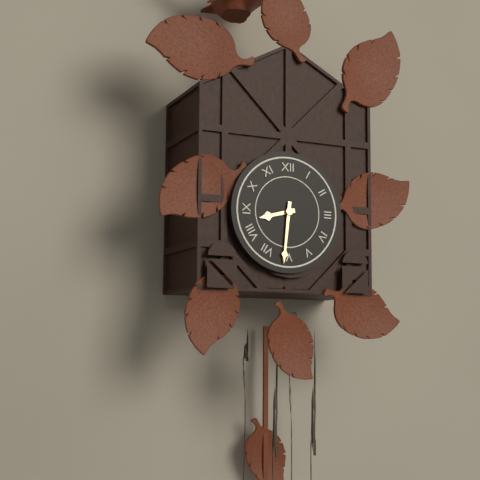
8h31
